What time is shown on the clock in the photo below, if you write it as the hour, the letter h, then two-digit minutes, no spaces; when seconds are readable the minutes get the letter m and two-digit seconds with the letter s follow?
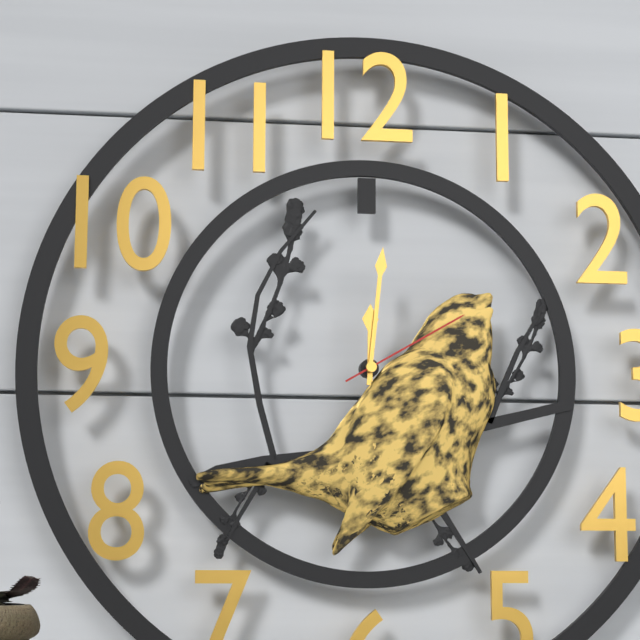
12h01m10s
